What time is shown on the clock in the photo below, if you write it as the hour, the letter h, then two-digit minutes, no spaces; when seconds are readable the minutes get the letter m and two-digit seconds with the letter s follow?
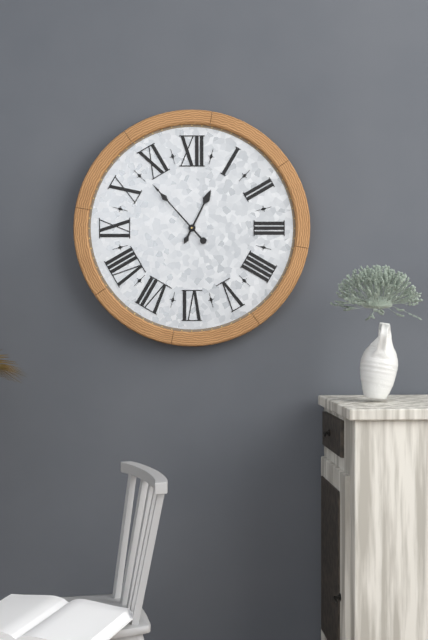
12h53
